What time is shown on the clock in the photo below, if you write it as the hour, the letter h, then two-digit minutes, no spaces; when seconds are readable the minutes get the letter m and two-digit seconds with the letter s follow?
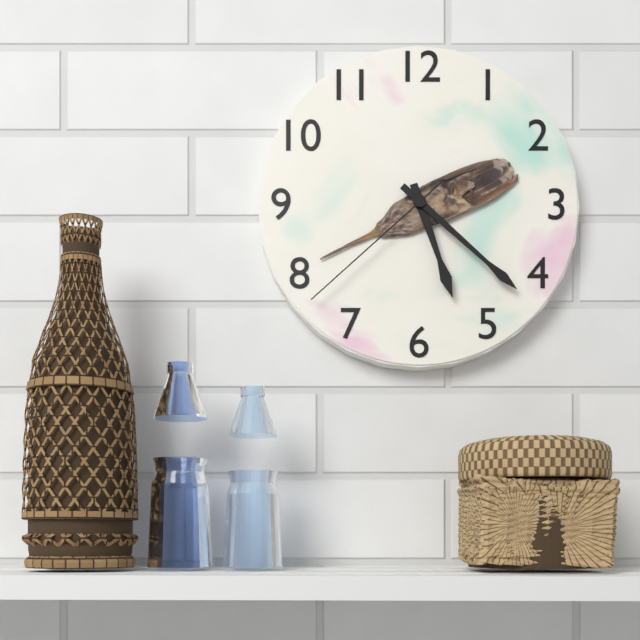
5h22m38s
